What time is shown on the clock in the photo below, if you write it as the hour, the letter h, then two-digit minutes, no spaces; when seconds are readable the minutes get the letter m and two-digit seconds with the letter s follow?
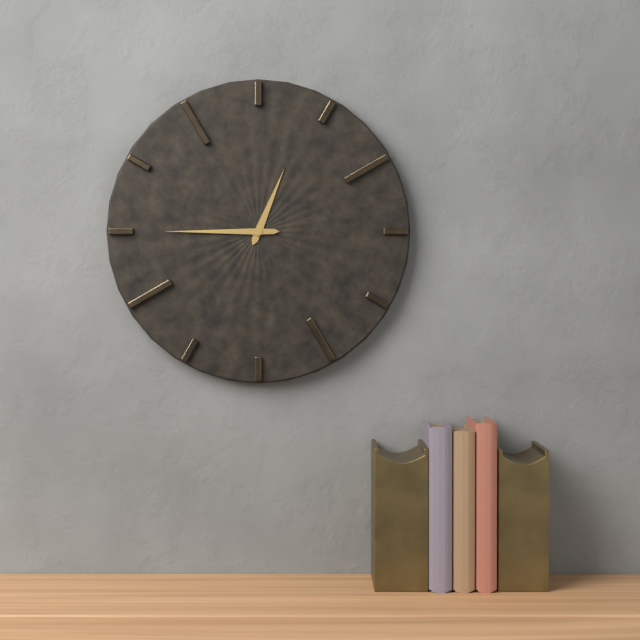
12h45
